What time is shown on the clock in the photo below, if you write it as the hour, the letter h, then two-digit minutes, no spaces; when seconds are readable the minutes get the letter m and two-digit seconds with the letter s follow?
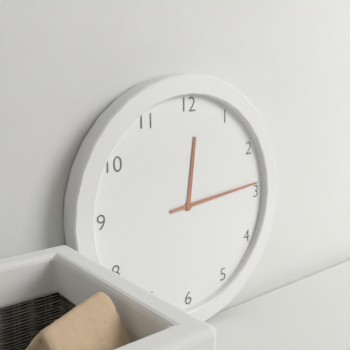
12h14
